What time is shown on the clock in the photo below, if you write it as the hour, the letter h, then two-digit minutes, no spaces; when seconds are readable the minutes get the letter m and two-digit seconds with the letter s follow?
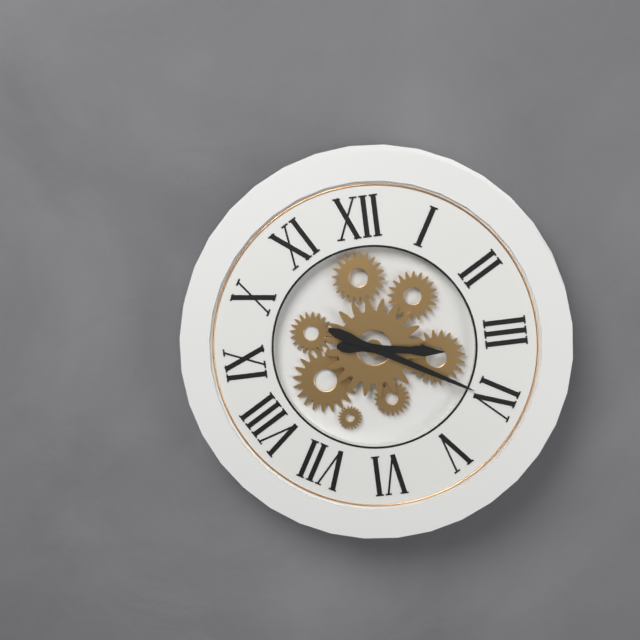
3h20
